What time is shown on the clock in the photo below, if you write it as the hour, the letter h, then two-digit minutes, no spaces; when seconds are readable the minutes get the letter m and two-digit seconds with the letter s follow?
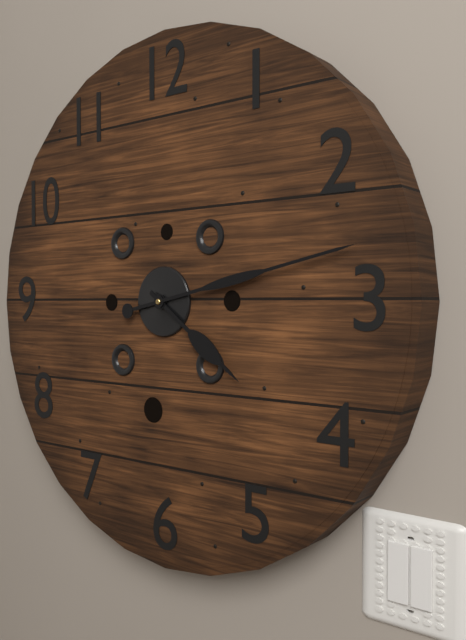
4h13
